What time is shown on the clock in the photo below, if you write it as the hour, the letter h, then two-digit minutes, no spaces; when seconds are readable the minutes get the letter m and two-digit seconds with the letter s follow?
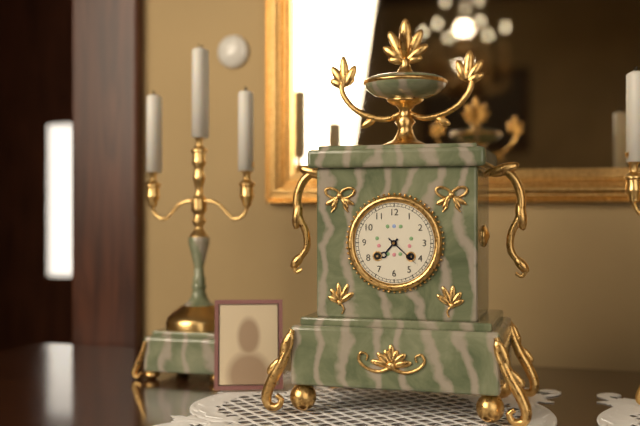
7h22
